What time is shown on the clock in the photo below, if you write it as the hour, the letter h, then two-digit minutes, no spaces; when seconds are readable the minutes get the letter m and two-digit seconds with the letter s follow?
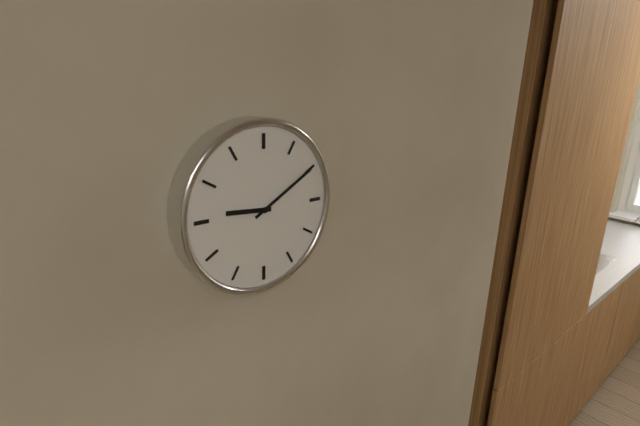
9h10
